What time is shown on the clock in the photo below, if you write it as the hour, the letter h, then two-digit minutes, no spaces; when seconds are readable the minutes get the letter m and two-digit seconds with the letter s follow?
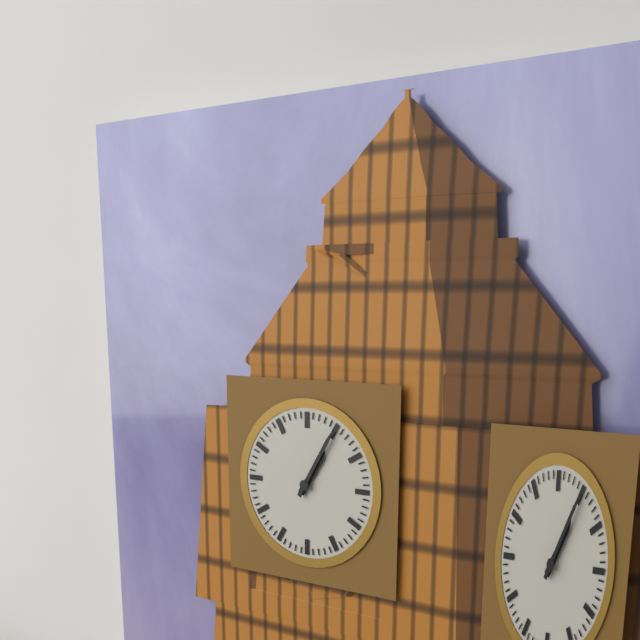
1h05
